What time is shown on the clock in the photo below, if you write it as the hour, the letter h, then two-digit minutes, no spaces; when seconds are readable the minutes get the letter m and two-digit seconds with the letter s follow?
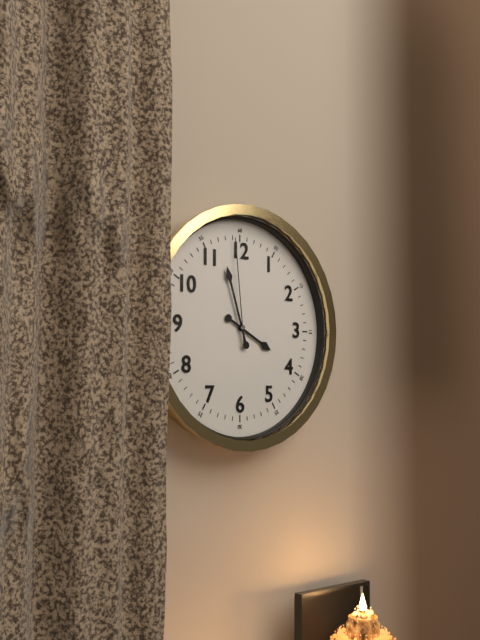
3h57m59s
